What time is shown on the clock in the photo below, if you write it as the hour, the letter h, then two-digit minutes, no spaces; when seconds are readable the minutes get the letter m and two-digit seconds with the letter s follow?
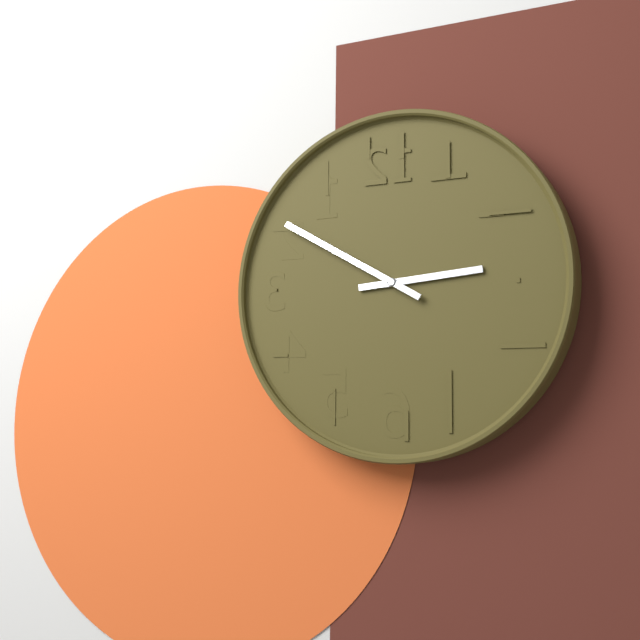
2h50
